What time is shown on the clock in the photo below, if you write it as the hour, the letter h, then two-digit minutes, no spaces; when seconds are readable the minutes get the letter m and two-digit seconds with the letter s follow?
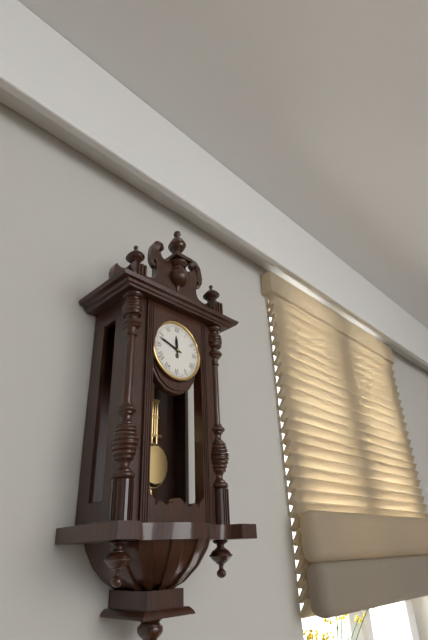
11h48
